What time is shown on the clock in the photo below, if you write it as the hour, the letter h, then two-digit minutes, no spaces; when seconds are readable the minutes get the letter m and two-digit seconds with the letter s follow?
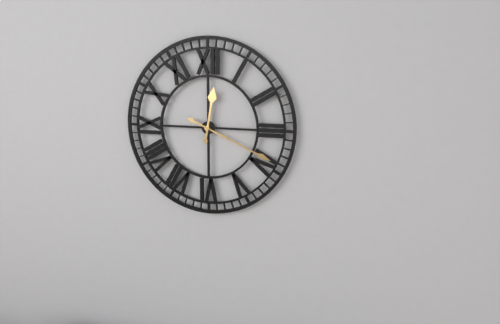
12h19
